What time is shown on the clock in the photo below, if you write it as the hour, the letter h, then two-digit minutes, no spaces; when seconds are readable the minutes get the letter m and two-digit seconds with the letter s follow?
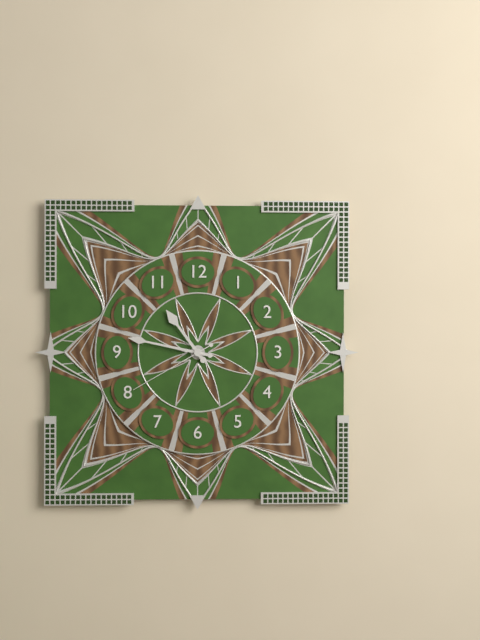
10h47m40s
